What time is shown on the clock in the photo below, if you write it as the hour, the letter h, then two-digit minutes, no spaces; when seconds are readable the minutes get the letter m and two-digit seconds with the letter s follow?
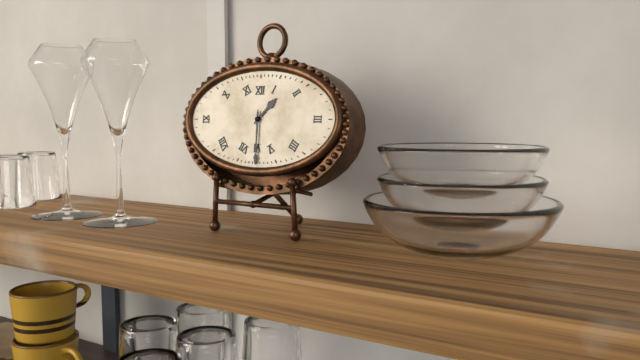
1h30
